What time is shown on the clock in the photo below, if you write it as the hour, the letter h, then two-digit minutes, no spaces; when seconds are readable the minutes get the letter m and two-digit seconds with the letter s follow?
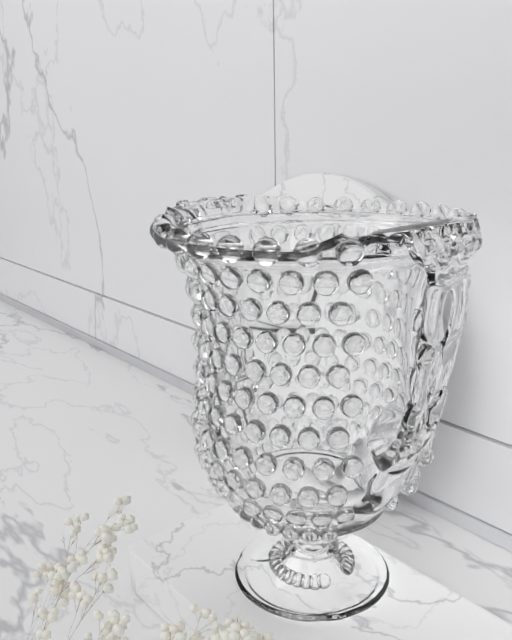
12h43m44s
